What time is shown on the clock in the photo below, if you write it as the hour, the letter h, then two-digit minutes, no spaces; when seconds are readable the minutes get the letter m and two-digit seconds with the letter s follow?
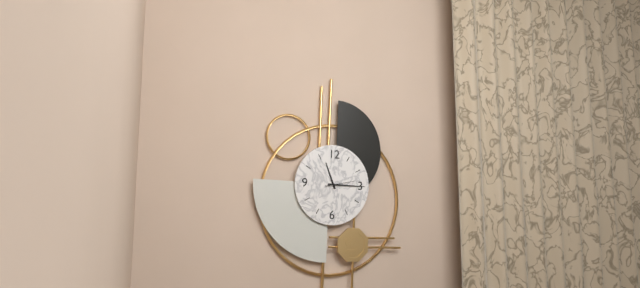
11h15
